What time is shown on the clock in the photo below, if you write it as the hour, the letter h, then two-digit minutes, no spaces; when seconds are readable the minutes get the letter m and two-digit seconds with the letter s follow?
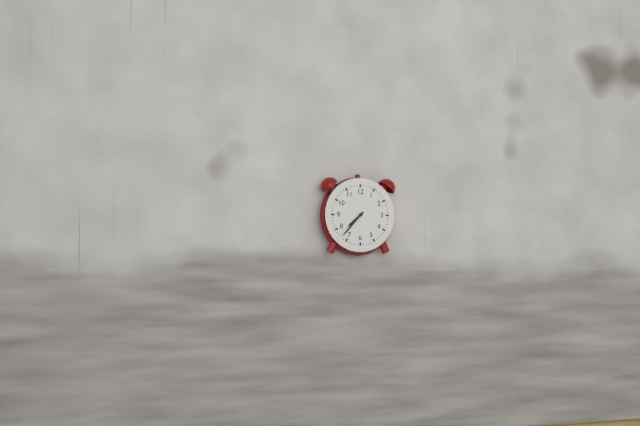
7h37
